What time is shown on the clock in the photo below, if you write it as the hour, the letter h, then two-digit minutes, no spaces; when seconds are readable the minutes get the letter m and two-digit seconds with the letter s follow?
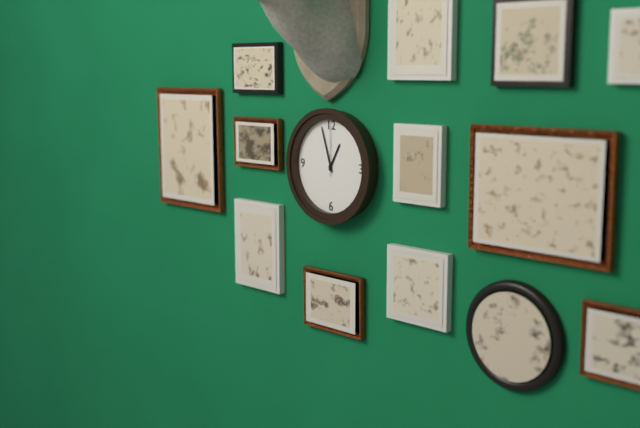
12h57m00s
